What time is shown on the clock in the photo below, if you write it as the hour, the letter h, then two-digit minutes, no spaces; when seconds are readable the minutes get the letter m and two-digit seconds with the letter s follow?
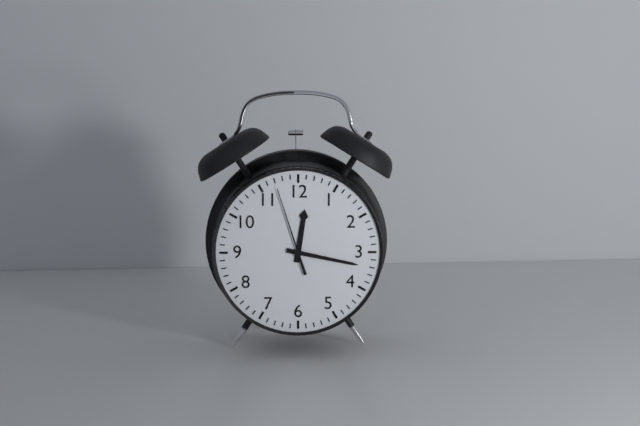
12h17m57s
